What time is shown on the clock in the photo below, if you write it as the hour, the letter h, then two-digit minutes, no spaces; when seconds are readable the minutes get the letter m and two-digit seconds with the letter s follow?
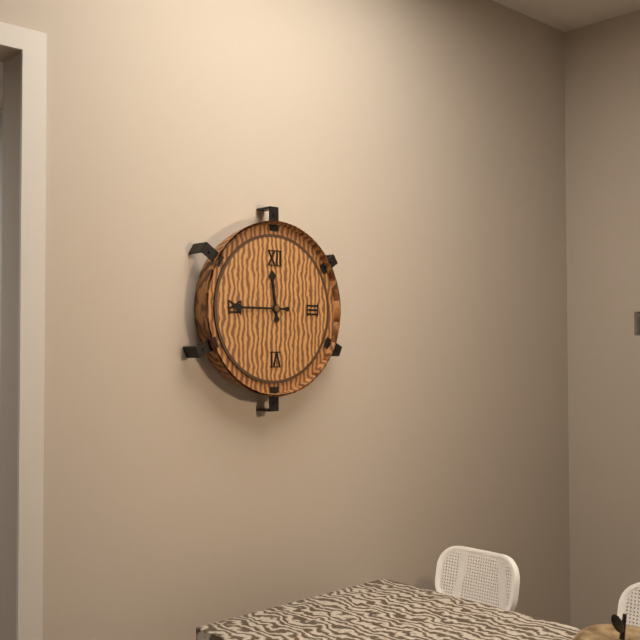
11h45
